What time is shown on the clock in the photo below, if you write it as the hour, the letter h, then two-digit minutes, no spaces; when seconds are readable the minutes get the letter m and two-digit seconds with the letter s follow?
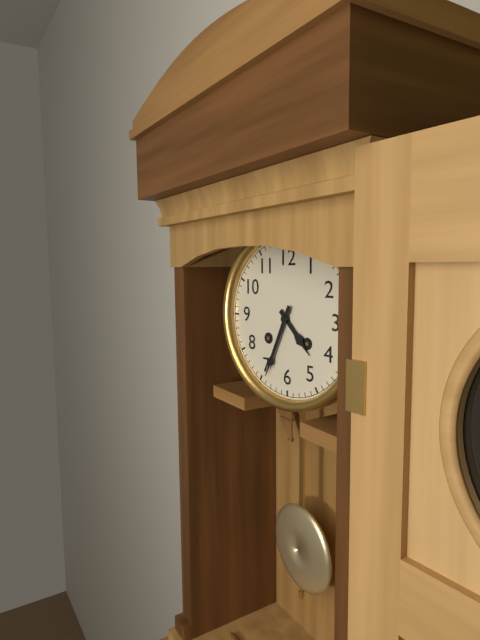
4h34
